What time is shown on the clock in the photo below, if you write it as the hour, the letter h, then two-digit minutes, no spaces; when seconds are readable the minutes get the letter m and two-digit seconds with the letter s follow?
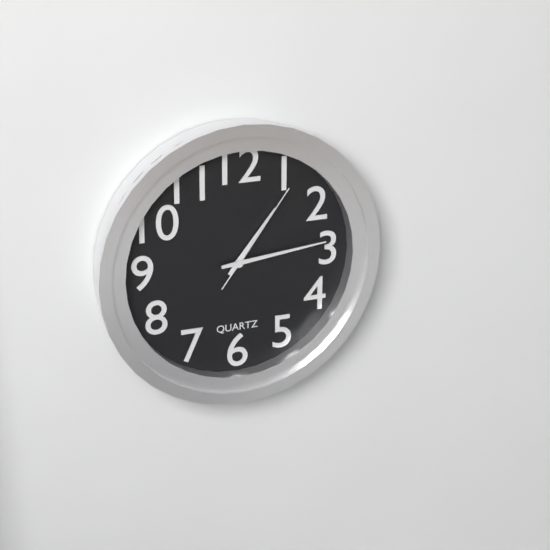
1h14m06s
